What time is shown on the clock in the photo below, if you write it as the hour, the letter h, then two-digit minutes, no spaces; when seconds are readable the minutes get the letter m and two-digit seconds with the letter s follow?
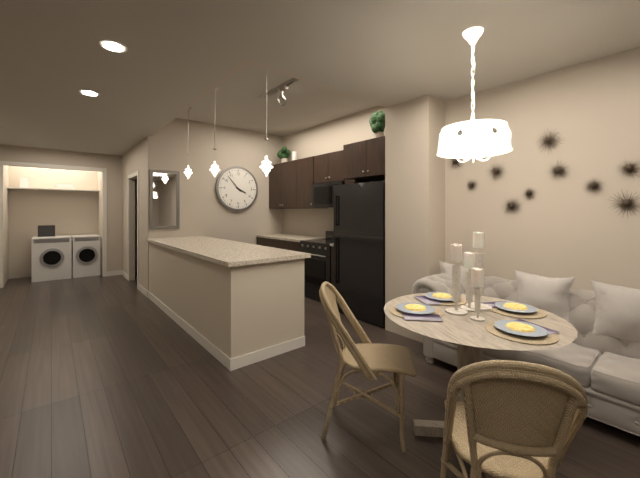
3h53
